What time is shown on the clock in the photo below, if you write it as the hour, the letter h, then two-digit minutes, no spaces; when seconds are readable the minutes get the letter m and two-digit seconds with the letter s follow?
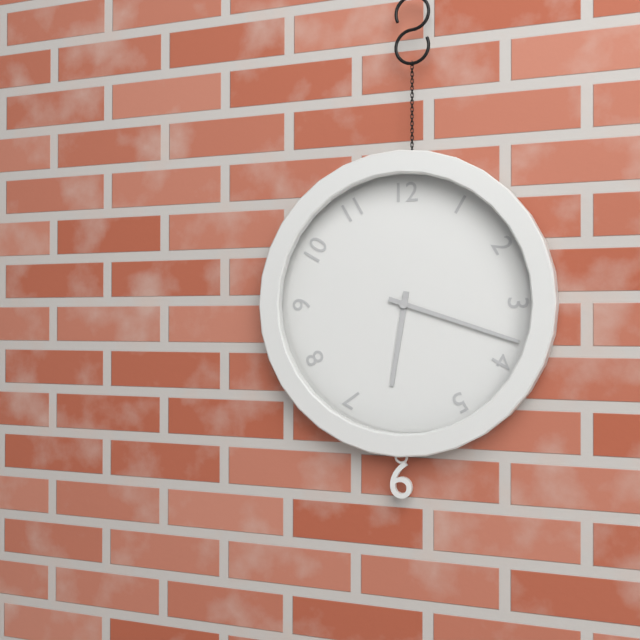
6h18
